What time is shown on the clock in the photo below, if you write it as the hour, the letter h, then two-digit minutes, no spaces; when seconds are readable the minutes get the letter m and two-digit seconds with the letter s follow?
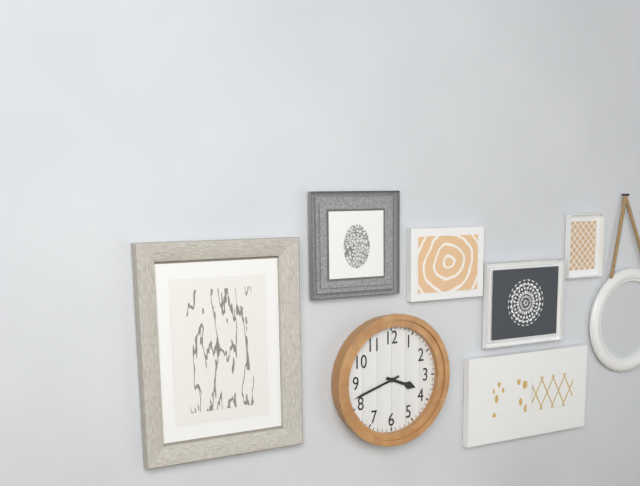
3h42
